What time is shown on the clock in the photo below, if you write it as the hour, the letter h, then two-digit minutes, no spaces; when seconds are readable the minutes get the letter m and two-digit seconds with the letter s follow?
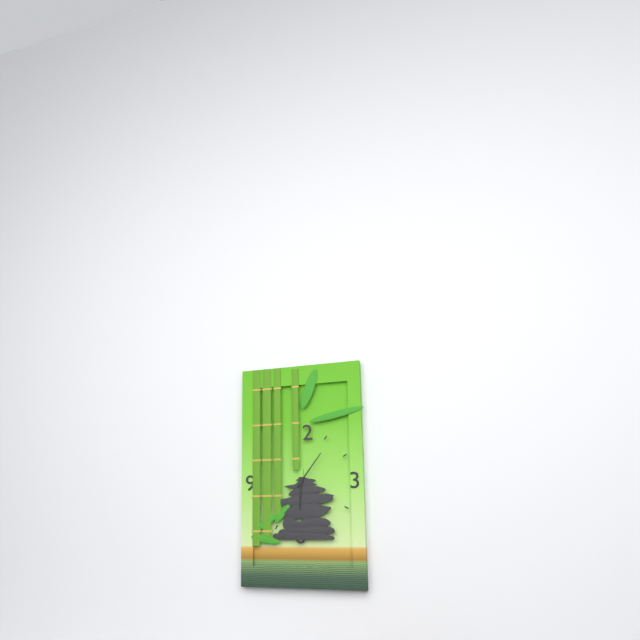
6h06
